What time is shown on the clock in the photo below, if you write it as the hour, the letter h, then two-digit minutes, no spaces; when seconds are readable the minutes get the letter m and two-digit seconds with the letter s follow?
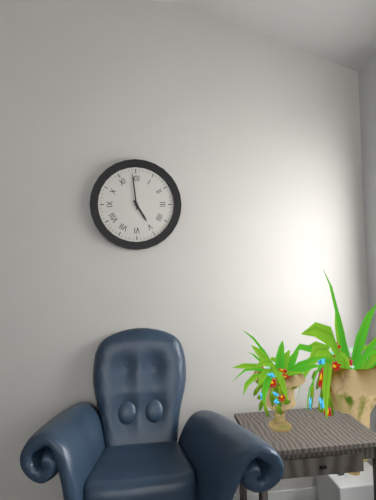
4h59
